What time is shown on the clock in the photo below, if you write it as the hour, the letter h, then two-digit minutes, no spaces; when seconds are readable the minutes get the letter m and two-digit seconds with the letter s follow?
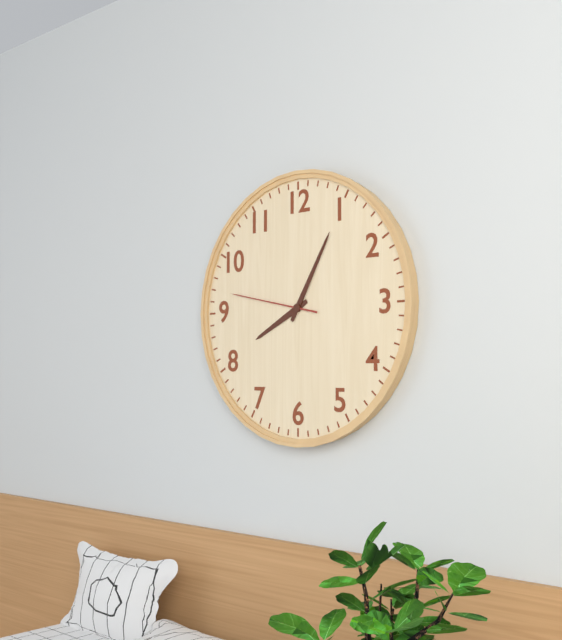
8h05m47s
